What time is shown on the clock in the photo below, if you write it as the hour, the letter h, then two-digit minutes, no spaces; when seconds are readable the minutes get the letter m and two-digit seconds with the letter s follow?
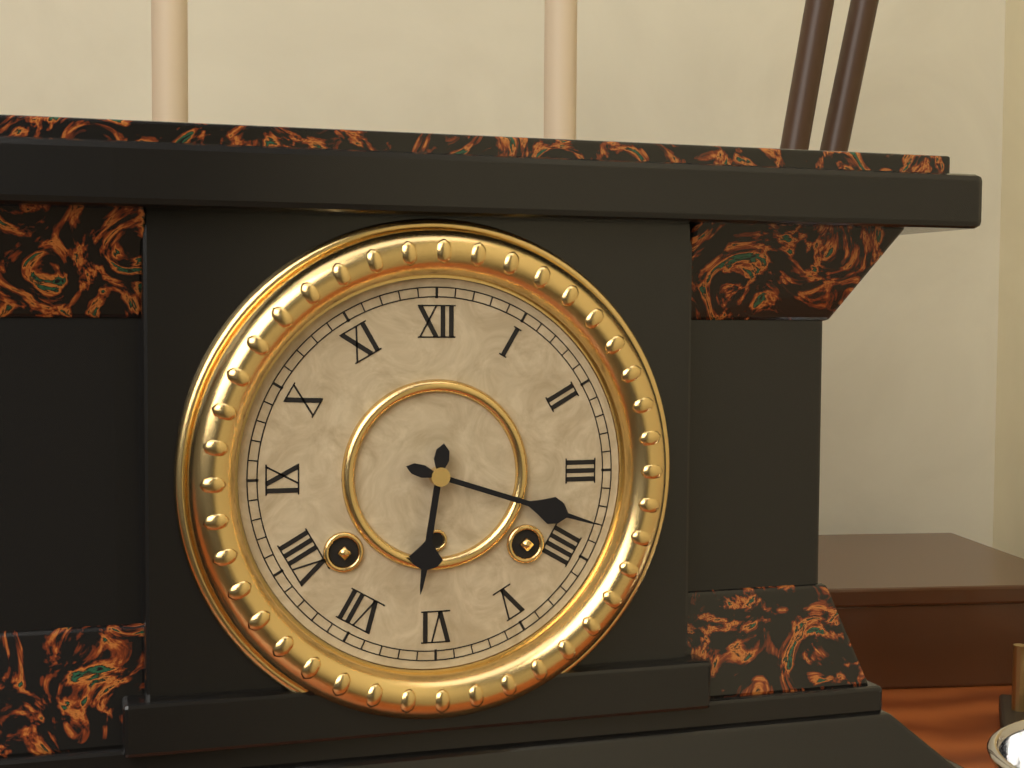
6h18
